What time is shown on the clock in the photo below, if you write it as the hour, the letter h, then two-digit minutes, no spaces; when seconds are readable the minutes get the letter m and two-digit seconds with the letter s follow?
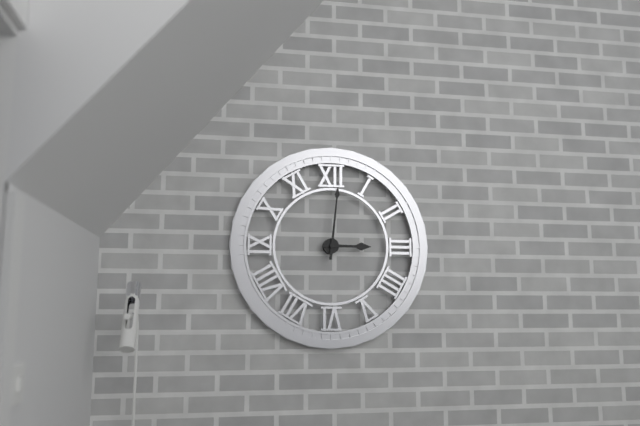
3h01
